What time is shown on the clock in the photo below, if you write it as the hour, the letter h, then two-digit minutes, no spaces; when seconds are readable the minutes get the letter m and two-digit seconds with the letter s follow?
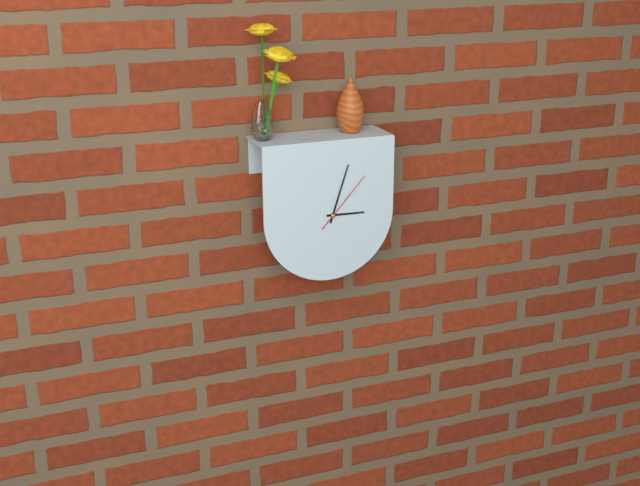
3h03m07s
